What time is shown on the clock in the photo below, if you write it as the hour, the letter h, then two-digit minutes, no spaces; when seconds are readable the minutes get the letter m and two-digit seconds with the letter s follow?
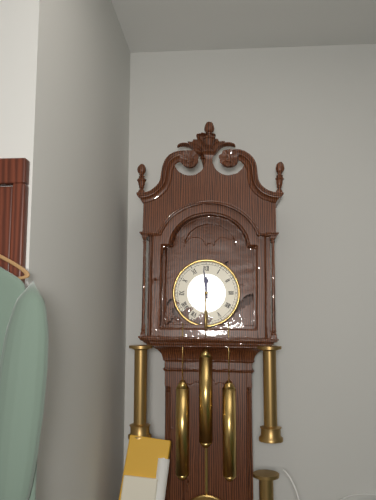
11h59
